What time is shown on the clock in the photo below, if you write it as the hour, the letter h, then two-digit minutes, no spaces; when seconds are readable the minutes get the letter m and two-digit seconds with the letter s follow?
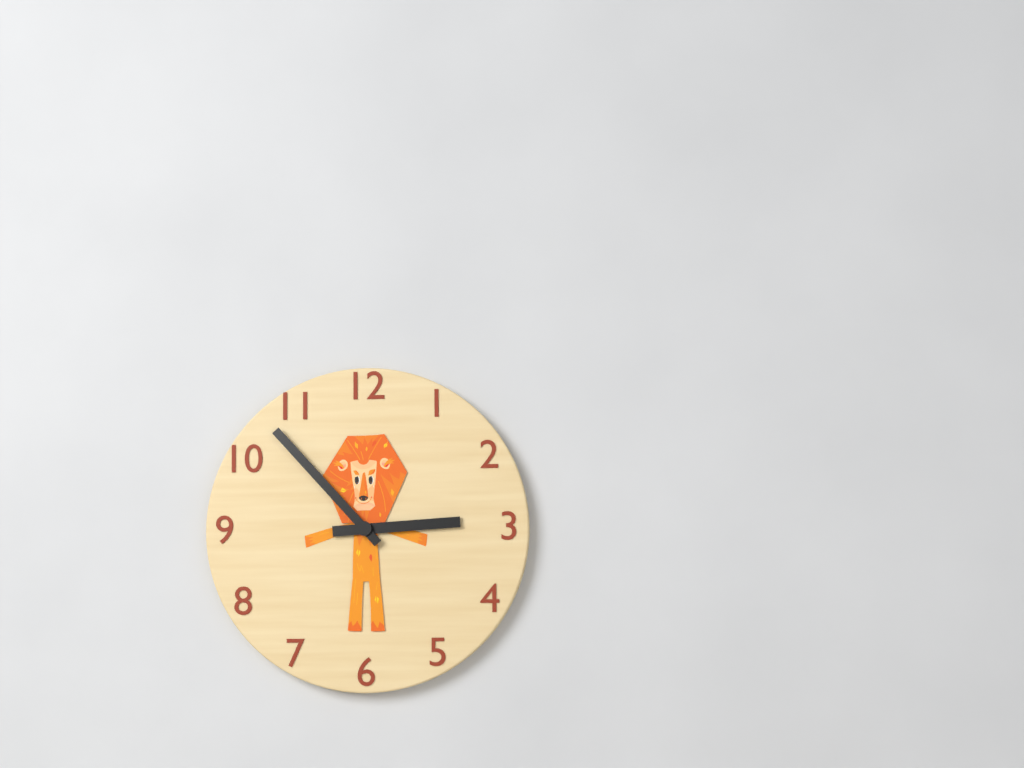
2h53
